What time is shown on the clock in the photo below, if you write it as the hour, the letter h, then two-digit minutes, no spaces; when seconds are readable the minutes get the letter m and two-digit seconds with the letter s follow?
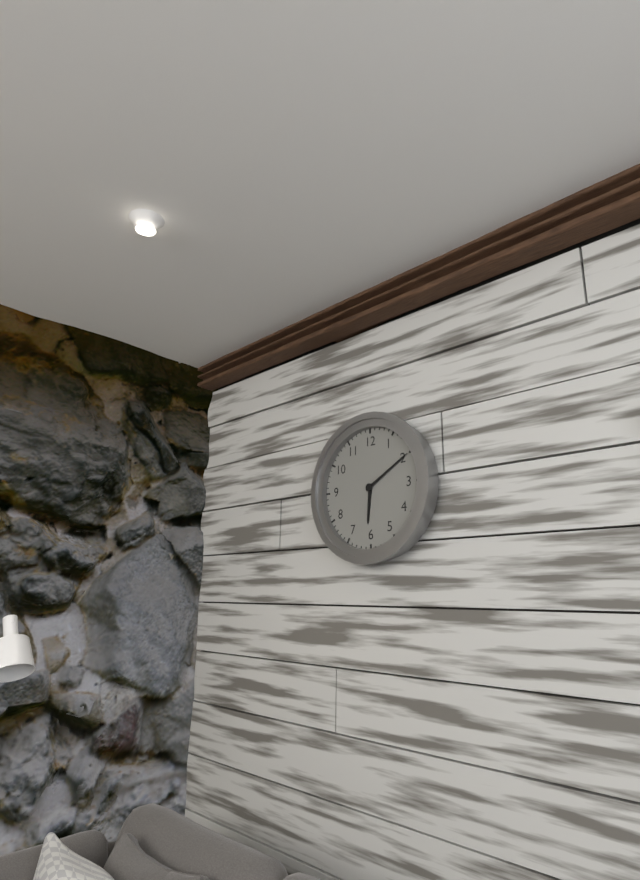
6h10
